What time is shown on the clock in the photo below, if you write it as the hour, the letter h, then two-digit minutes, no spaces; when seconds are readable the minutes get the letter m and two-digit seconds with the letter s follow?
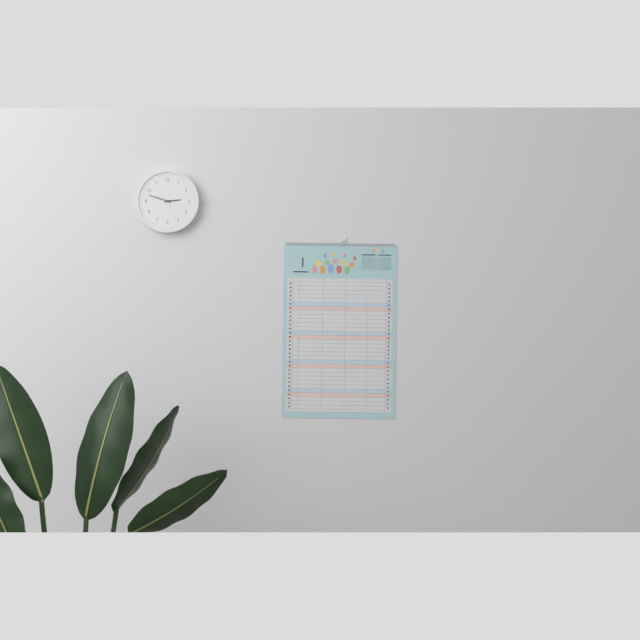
2h48
